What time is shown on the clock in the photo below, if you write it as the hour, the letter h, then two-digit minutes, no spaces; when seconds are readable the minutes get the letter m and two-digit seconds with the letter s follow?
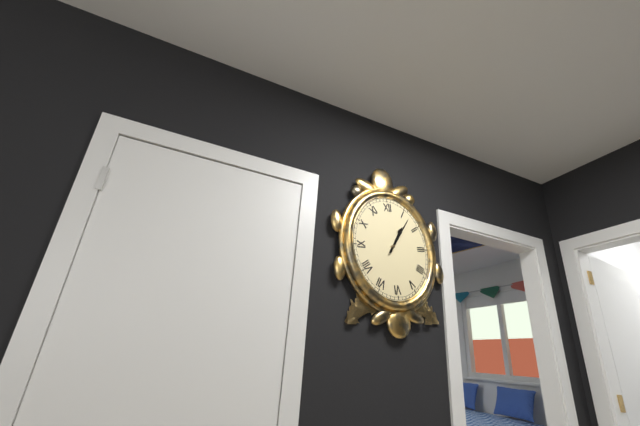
1h06
